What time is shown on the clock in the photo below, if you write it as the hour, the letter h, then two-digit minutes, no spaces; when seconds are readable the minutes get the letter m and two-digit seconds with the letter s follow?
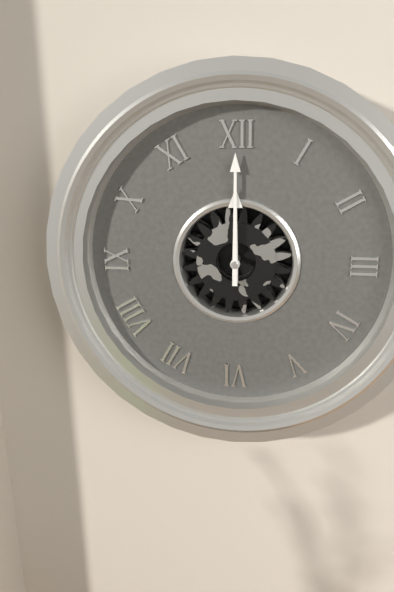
12h00
